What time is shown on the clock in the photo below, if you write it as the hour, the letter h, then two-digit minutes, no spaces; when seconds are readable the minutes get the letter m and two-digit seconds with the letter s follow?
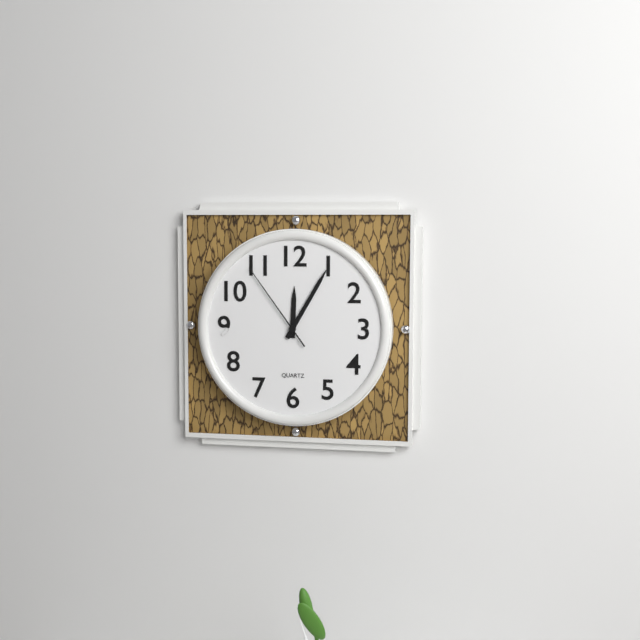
12h05m54s
